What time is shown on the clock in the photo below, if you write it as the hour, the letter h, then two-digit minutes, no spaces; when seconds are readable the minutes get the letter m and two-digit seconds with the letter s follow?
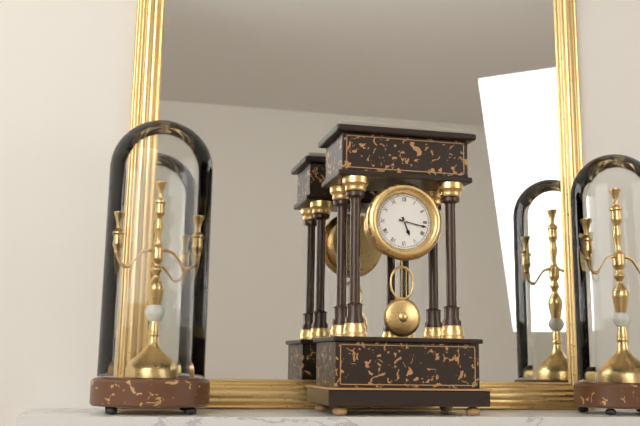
5h17
